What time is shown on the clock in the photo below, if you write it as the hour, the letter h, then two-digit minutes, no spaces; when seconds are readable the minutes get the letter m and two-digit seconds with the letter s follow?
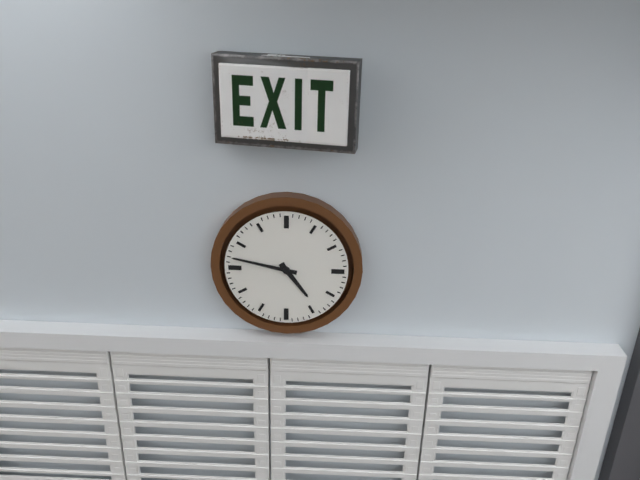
4h47
